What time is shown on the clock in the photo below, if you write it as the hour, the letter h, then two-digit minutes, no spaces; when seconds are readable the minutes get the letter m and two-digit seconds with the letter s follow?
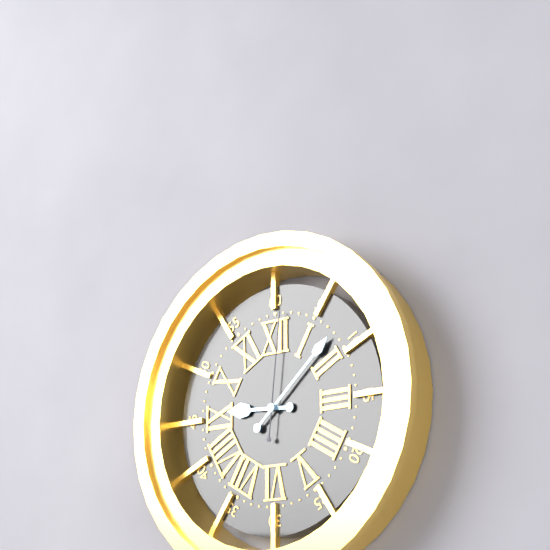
9h08m01s
